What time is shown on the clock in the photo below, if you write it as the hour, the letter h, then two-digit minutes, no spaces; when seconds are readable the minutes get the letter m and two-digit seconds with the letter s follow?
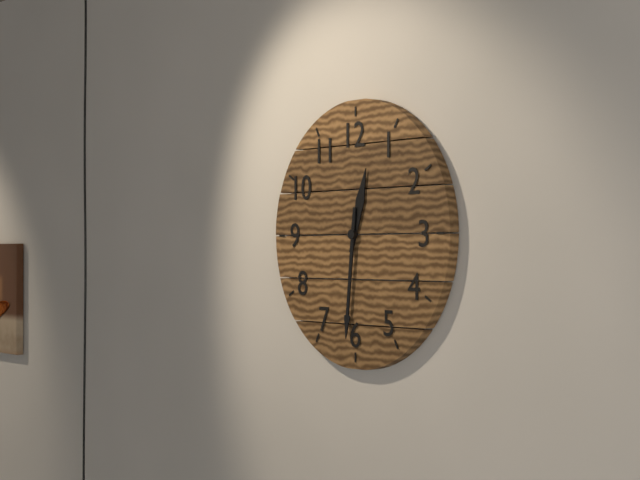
12h31
